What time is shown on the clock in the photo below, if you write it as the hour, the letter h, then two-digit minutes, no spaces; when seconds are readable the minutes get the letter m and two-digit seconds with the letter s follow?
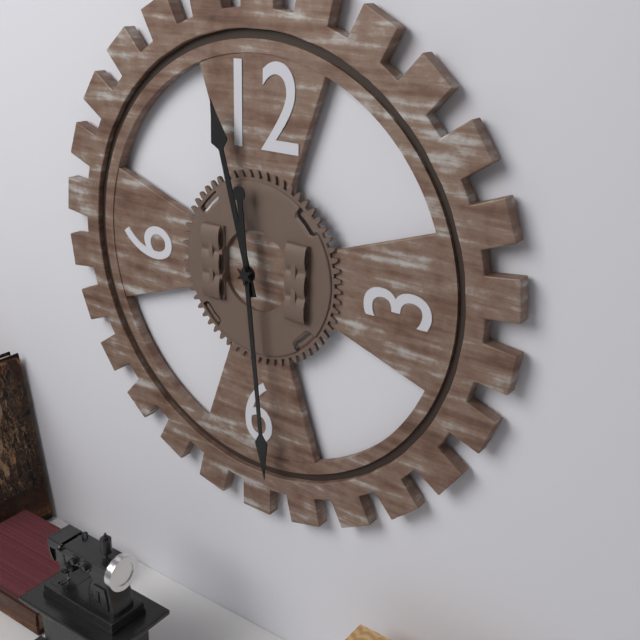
11h29
